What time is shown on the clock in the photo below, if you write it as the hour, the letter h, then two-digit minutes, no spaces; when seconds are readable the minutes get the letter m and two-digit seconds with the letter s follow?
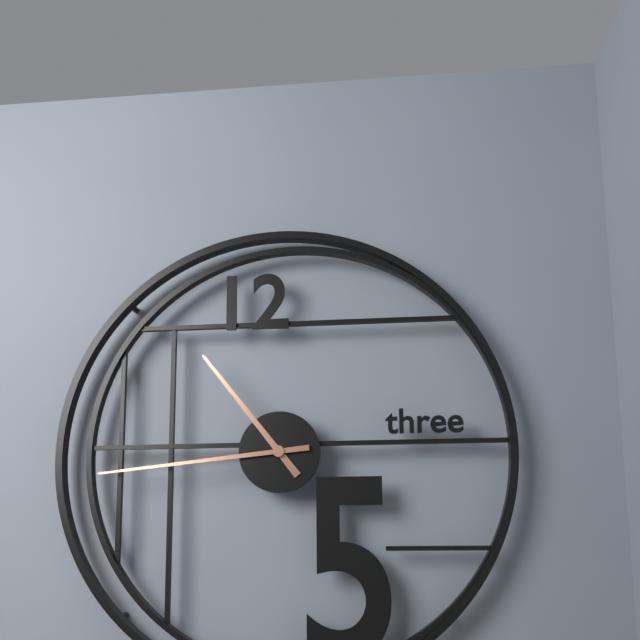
10h44
